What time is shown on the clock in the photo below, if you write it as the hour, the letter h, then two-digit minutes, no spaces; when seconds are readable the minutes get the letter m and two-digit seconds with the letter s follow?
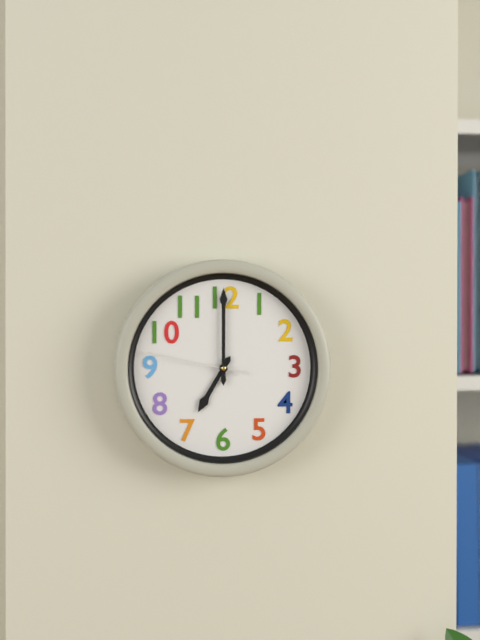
7h00m47s
